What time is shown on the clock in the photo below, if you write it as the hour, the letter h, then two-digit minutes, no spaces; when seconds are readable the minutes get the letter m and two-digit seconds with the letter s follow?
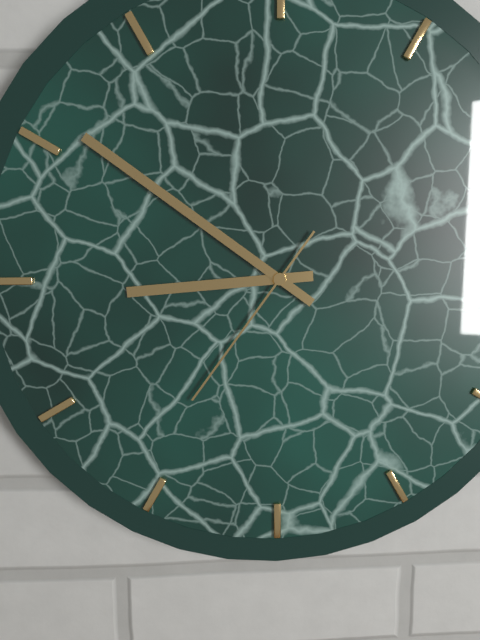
8h51m36s
